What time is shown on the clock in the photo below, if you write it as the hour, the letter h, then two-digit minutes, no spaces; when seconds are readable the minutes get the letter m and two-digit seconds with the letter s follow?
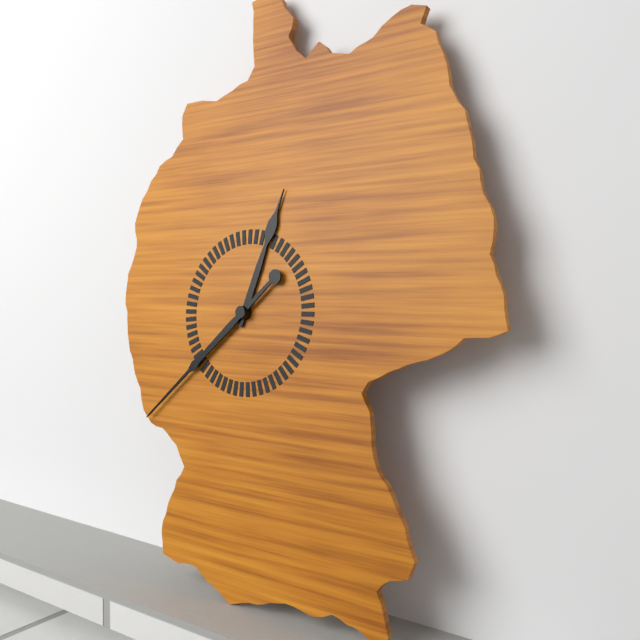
12h38
